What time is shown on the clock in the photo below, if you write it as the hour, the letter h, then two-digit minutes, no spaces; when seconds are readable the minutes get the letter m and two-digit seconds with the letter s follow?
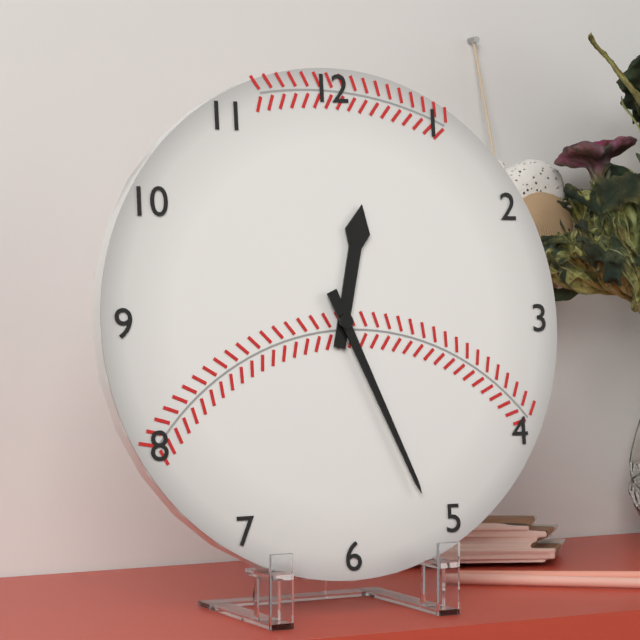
12h26
